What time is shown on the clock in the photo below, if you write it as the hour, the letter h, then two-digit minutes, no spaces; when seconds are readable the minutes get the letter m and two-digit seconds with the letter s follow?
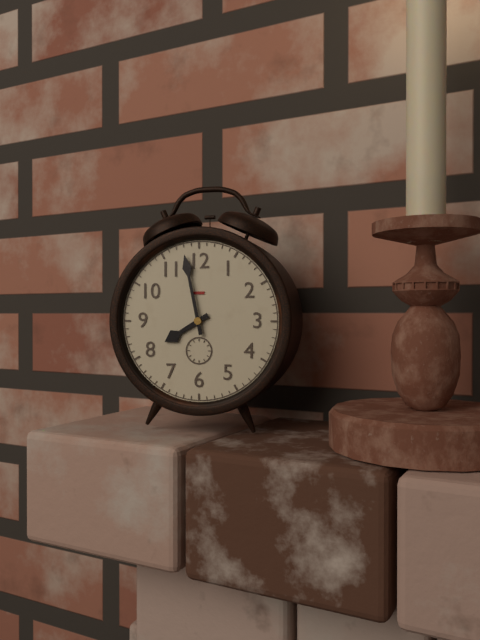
7h58
